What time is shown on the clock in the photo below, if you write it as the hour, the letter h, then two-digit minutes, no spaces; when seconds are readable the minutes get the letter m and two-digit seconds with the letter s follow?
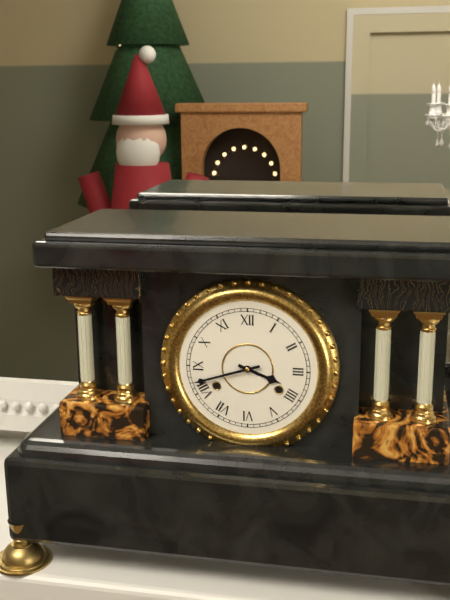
3h42
